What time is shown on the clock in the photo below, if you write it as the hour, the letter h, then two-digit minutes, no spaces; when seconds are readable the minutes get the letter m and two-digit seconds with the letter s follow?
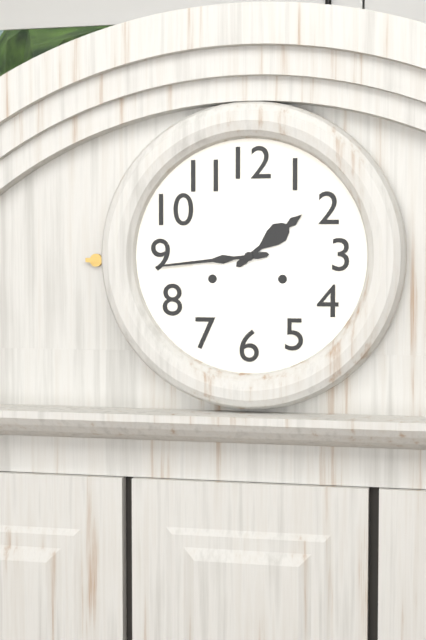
1h44
